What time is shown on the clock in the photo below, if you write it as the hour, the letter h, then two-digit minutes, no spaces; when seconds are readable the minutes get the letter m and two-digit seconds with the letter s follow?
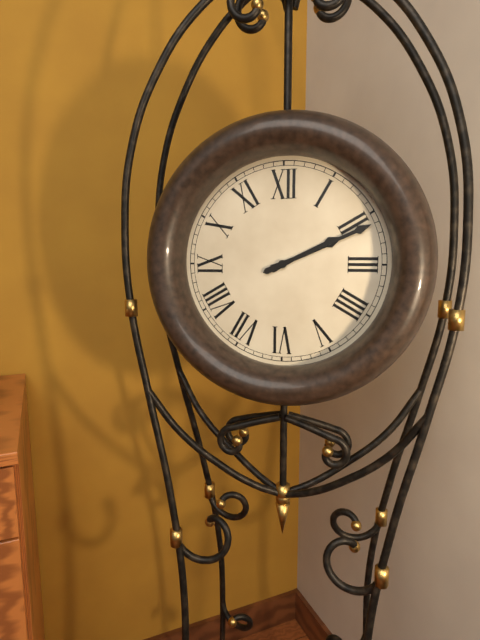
2h11
